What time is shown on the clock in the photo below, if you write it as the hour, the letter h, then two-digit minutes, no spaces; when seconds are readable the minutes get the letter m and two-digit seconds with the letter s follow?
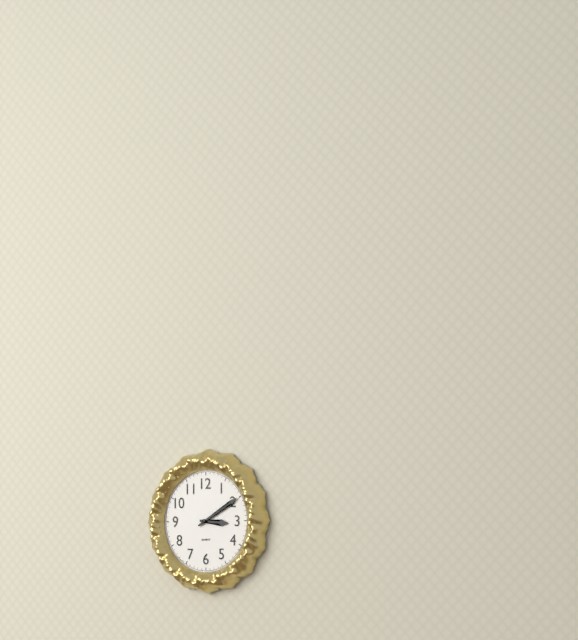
3h10
